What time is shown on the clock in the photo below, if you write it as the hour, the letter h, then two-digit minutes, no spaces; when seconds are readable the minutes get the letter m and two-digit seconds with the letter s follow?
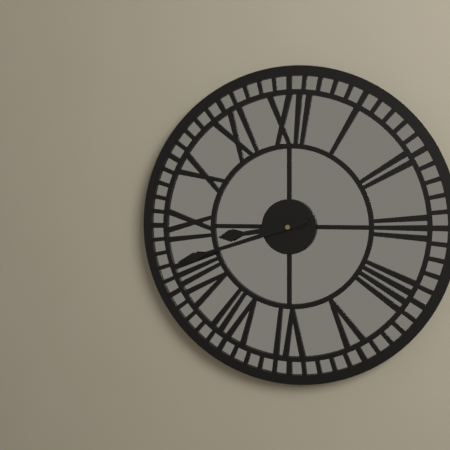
8h42
